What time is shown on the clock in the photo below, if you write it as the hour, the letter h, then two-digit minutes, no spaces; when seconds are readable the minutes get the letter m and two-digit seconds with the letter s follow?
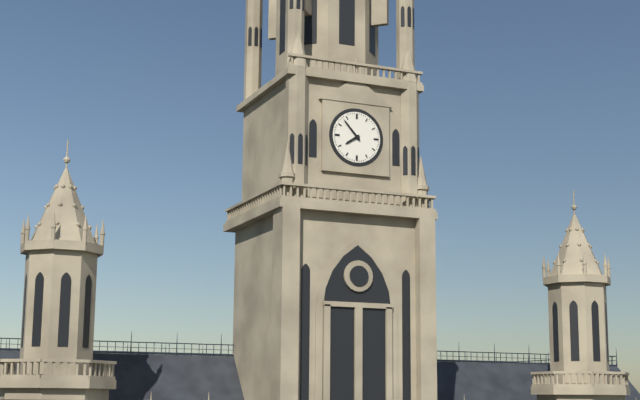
7h53
